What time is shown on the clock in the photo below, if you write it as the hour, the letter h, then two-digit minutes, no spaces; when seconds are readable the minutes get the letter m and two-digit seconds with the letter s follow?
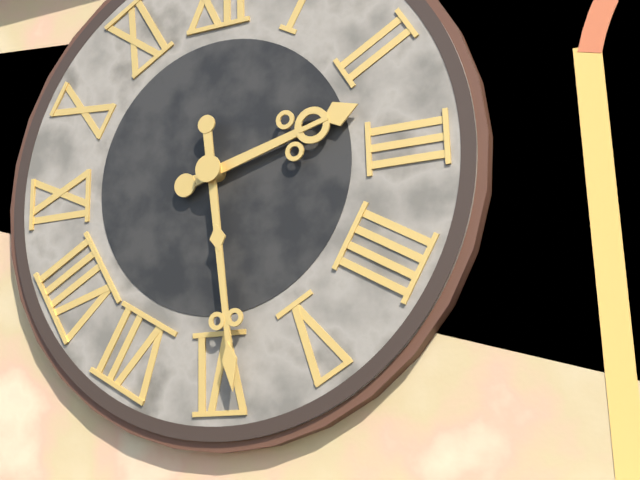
2h29
